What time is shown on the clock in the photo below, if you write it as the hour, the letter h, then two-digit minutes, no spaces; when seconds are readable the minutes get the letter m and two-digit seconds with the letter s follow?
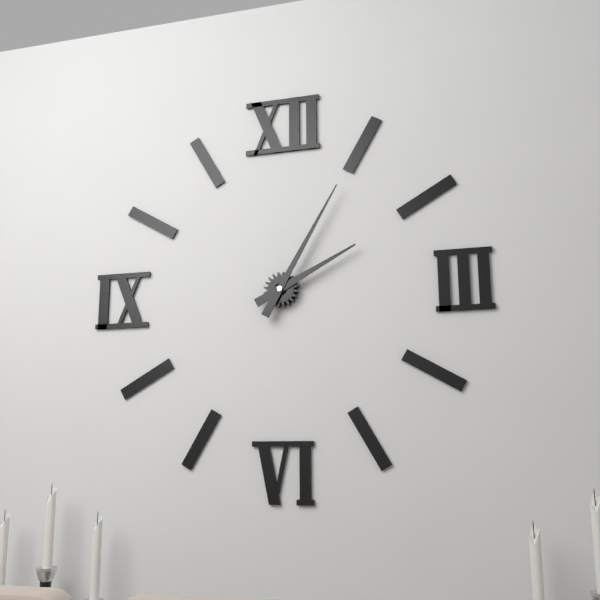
2h05
